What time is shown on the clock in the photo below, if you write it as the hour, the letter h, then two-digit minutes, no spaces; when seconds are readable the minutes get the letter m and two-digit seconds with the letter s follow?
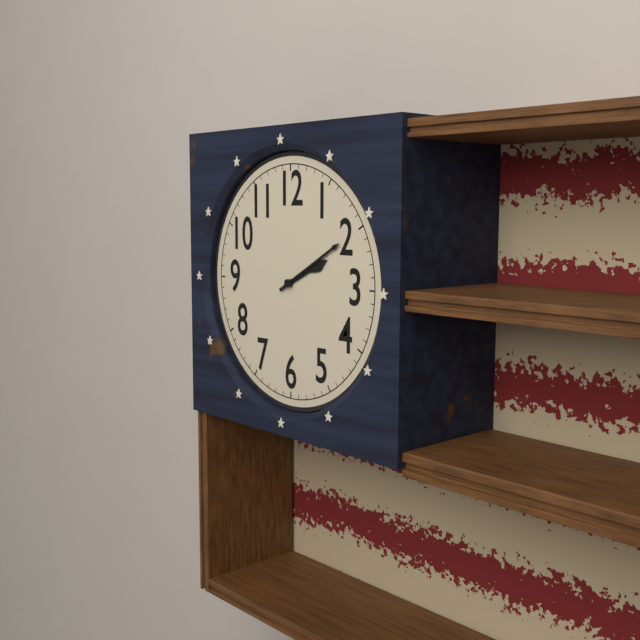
2h10
